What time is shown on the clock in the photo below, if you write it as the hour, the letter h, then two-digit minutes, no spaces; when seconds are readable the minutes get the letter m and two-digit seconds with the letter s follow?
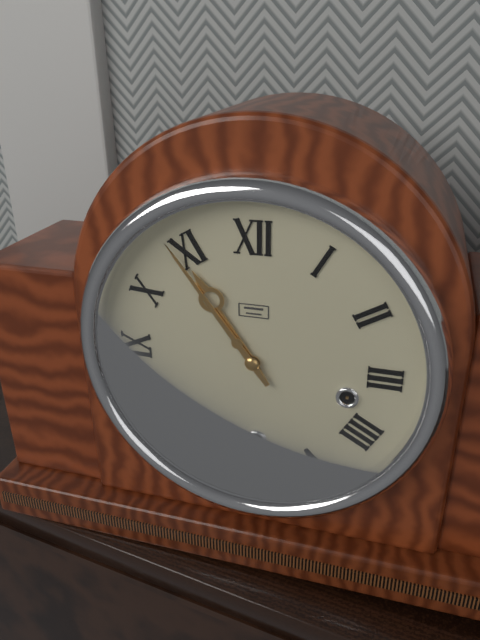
10h54
